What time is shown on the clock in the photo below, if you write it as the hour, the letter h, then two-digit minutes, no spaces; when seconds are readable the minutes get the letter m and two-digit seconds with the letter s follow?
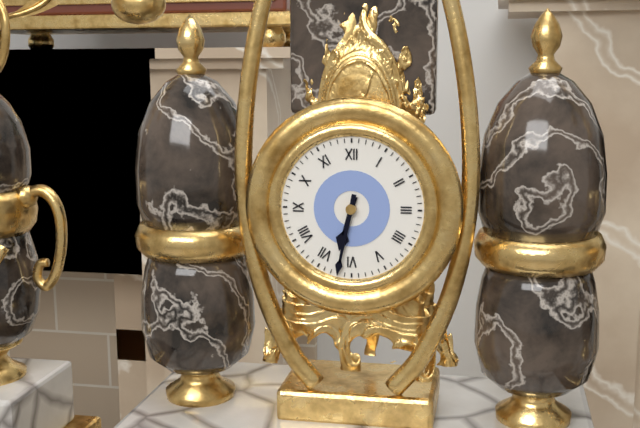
6h32
